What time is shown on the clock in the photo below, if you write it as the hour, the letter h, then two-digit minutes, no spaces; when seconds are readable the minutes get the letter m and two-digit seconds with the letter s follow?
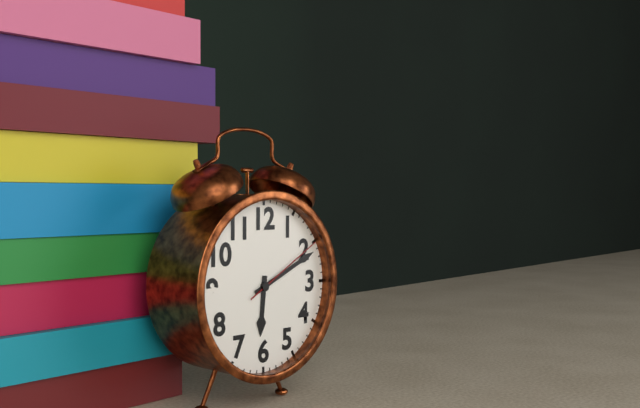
6h11m10s
